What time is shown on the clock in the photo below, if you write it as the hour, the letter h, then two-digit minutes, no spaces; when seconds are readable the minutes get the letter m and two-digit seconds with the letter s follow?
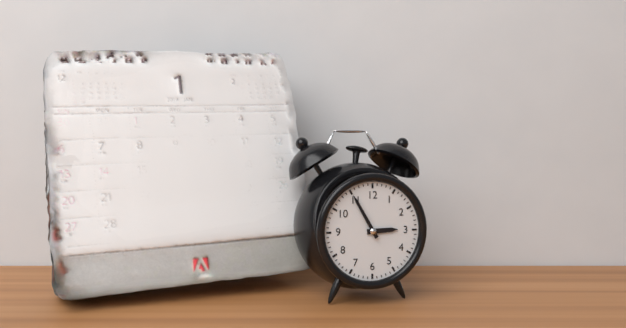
2h55
